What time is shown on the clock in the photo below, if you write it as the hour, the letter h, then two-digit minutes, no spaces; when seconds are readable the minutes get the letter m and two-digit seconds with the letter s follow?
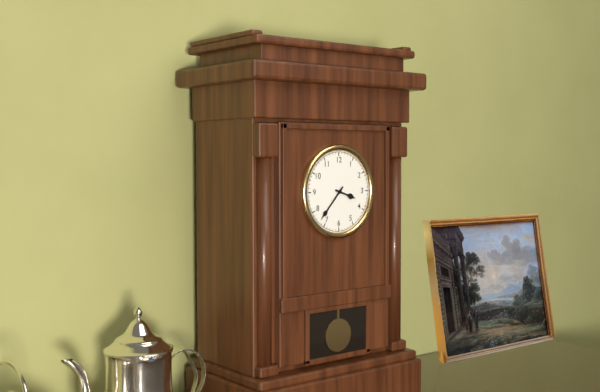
3h37
